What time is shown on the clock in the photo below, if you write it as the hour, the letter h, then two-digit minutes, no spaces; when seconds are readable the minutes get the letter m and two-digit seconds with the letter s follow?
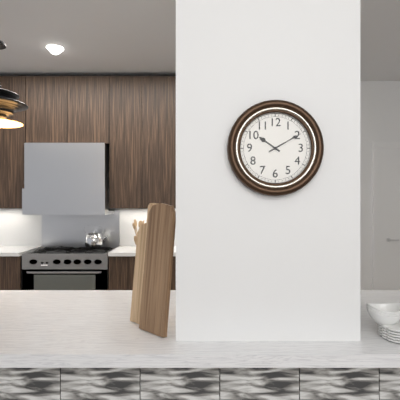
10h10
